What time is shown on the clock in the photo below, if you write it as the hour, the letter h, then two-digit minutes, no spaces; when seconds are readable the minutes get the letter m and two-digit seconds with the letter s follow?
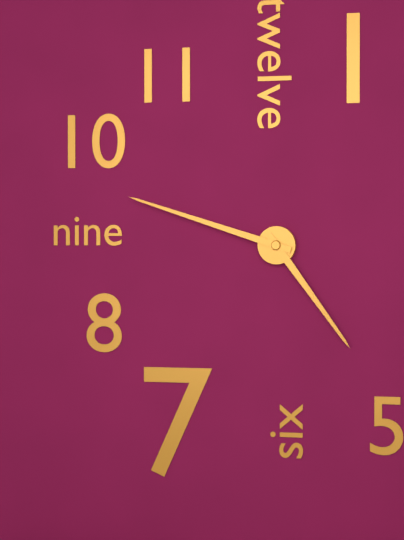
4h48
